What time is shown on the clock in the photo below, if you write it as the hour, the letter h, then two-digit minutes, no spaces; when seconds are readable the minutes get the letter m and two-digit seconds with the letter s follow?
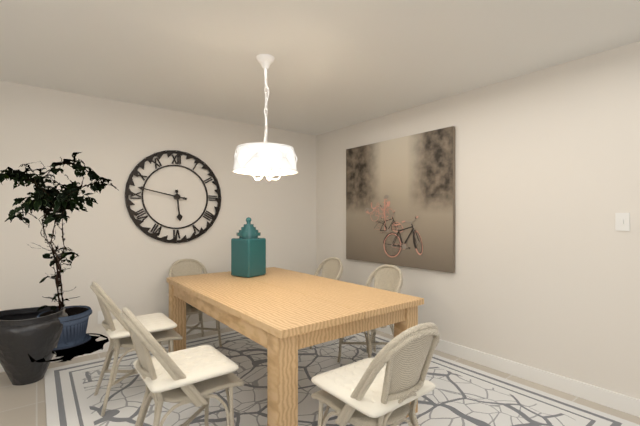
5h47
